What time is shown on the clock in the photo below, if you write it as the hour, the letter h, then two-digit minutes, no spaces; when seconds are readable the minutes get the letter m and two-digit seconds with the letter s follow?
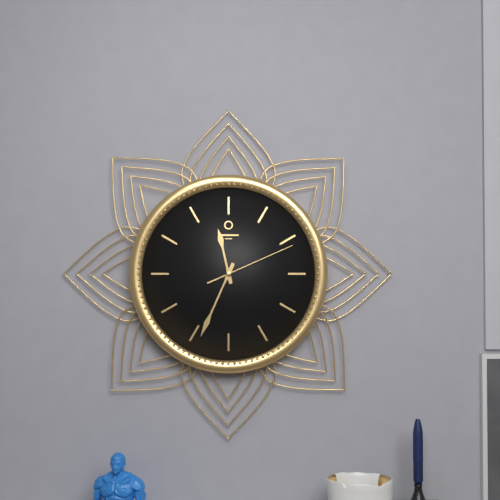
11h34m11s
